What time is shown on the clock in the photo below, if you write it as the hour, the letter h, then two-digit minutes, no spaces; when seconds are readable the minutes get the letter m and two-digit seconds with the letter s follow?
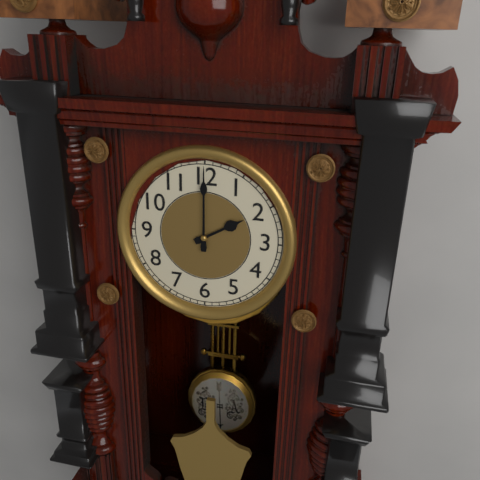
2h00
